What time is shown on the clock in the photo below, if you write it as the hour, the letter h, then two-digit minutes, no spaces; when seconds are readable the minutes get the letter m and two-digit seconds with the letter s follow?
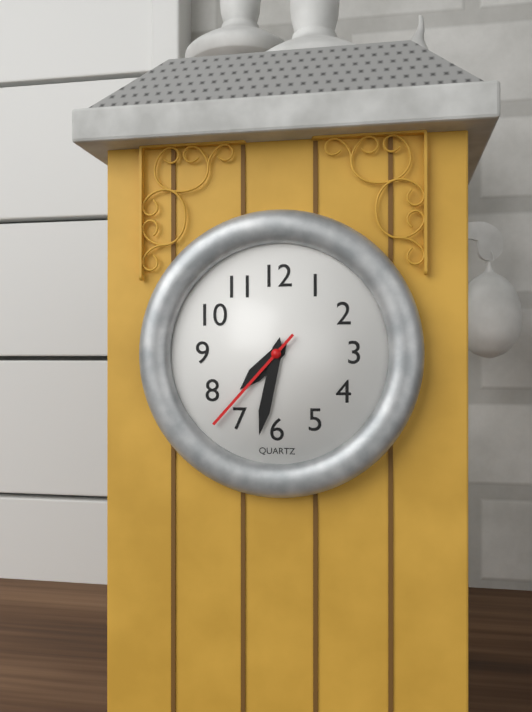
7h32m37s
